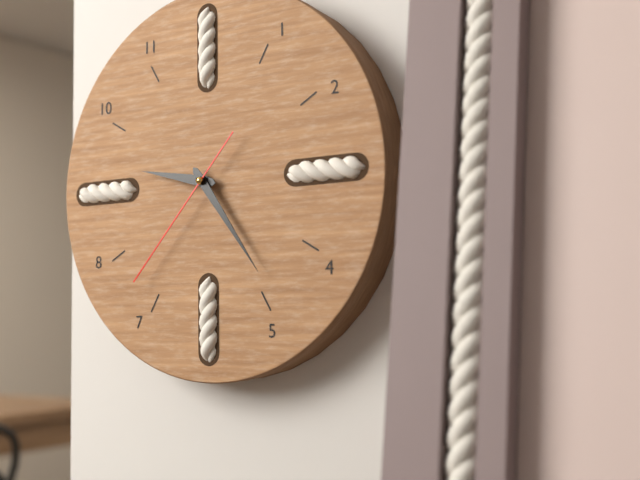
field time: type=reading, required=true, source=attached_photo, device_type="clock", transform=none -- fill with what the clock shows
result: 9:24:37
